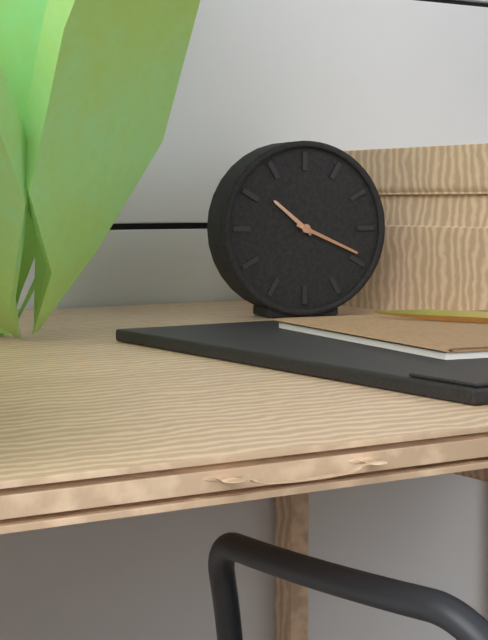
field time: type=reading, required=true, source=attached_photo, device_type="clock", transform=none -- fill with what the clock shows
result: 10:19
